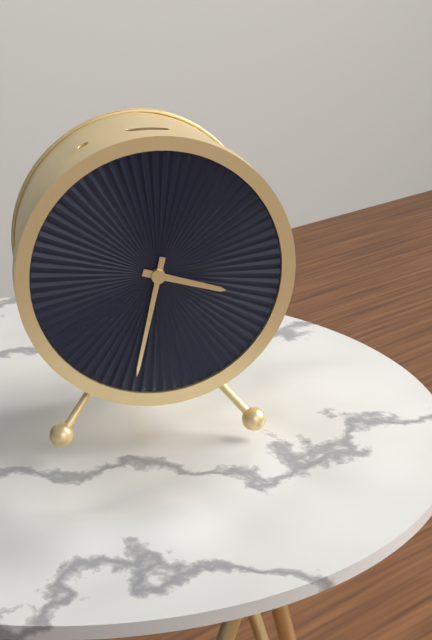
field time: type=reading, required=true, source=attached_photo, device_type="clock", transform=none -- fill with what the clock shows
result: 3:32
